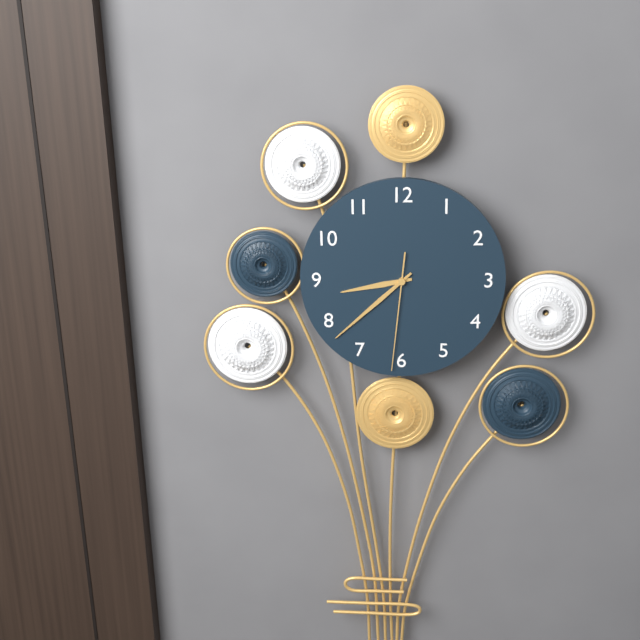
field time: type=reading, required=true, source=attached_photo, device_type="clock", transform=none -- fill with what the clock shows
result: 8:38:31
